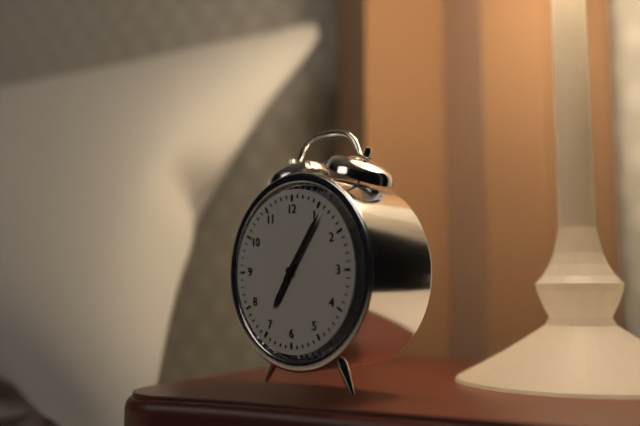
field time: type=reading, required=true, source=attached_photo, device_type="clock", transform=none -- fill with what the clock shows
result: 7:06
